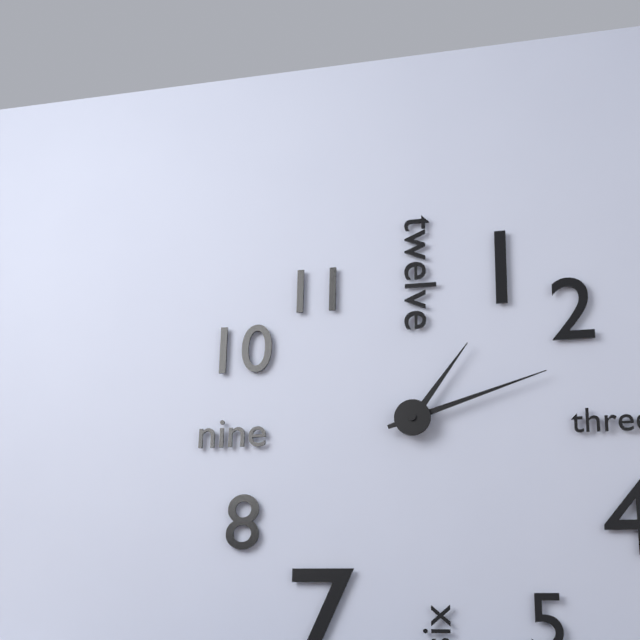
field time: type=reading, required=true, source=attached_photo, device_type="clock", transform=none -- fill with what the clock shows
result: 1:12
